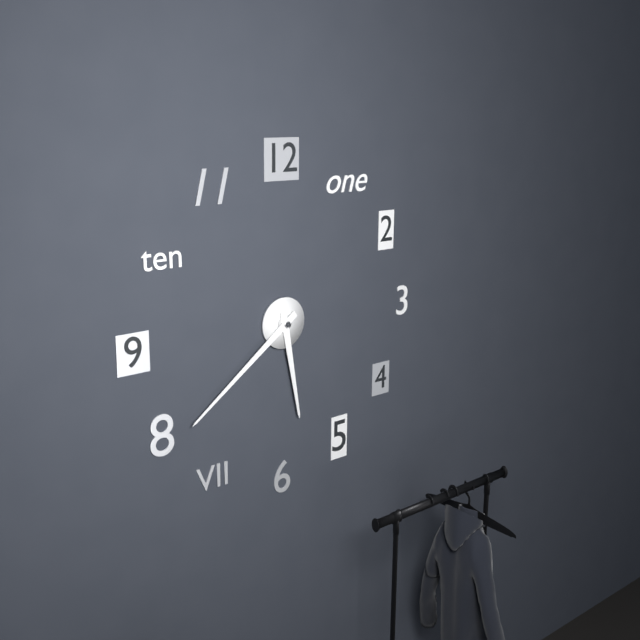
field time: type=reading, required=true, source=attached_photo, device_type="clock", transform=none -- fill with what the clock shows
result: 5:39
